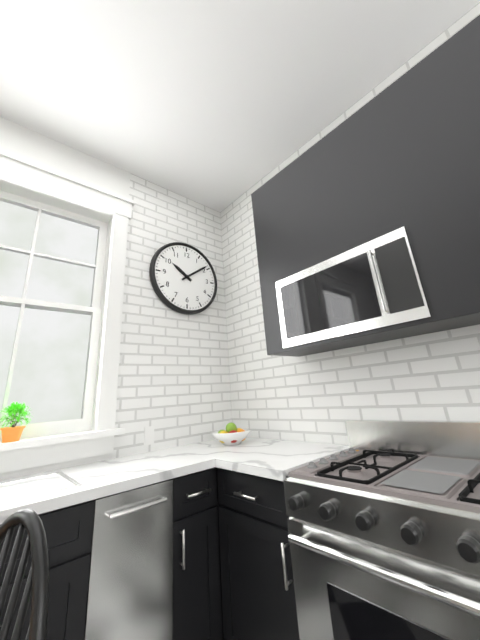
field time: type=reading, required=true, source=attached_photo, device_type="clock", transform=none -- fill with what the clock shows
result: 10:09
